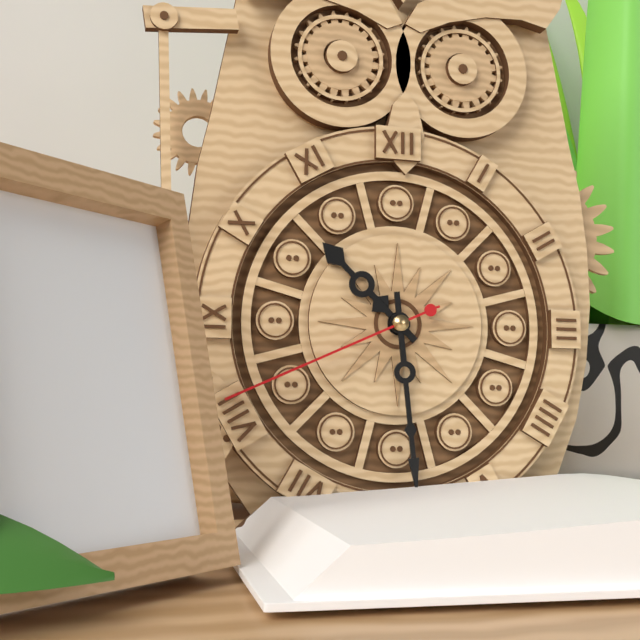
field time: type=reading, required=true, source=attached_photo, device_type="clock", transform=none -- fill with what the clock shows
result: 10:29:41
